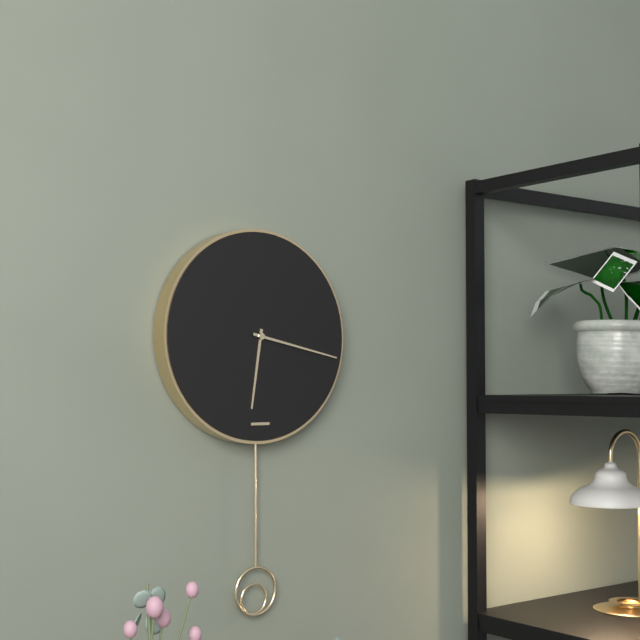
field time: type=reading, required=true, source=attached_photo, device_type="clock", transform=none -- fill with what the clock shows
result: 6:17
